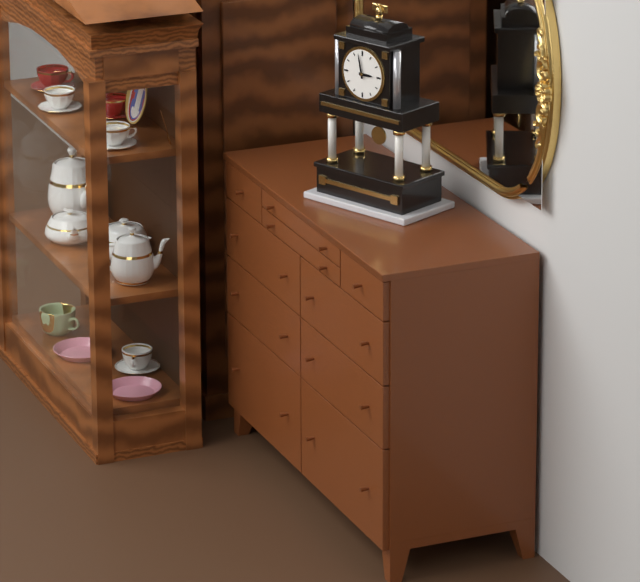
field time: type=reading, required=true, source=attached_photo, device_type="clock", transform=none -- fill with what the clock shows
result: 2:58
